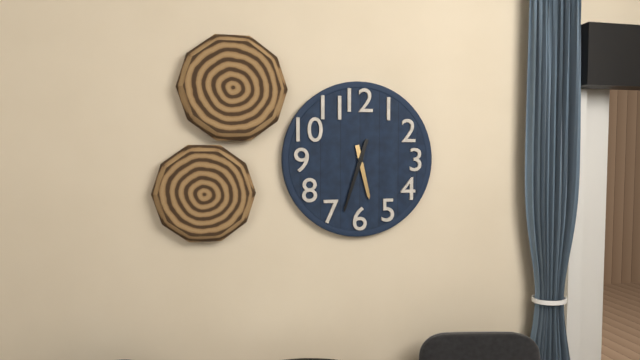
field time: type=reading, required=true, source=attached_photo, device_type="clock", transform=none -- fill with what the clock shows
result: 5:33
